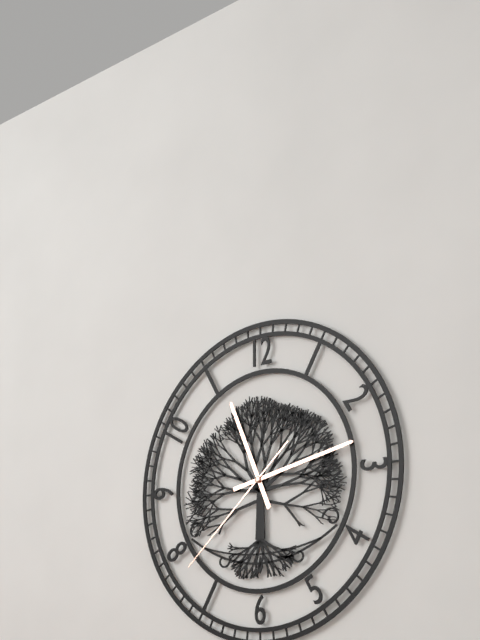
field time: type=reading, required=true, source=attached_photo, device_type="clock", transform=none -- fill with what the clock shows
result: 11:13:38
